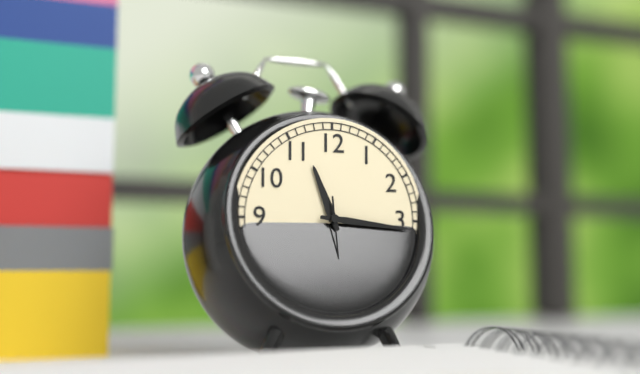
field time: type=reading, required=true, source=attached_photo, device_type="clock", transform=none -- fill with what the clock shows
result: 11:16
